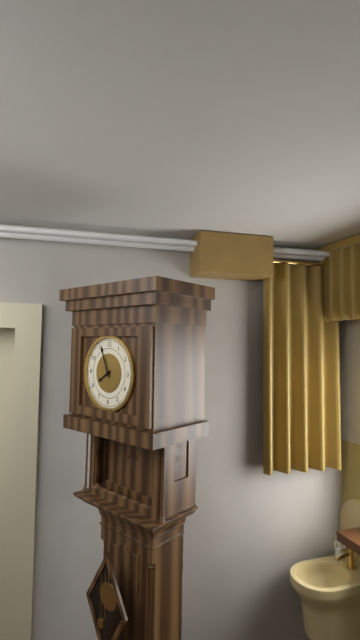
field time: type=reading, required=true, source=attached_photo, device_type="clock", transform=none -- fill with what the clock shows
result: 7:56
